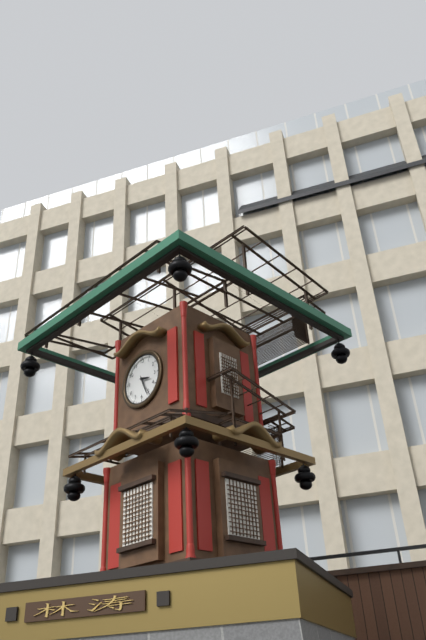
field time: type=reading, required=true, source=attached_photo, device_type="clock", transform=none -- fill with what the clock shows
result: 3:26
